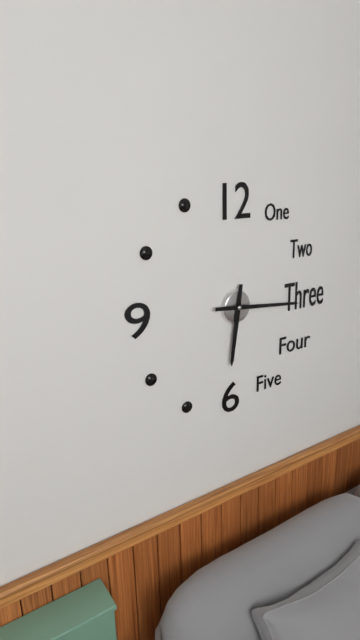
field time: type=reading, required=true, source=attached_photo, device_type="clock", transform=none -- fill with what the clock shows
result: 6:16
